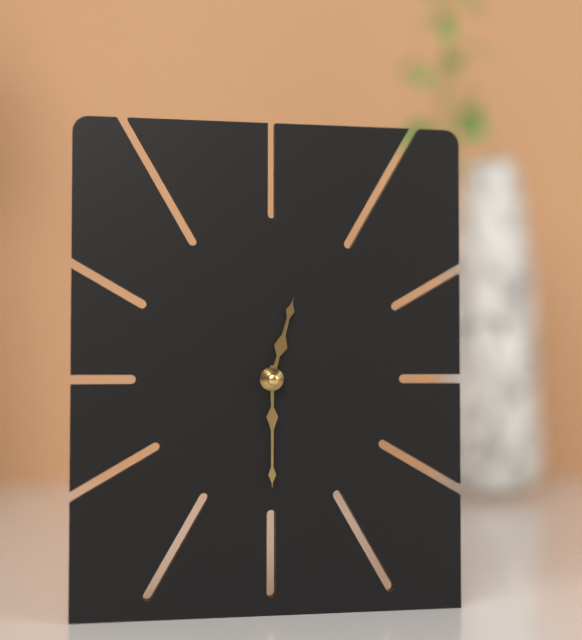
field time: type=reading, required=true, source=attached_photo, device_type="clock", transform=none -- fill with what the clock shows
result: 12:30
